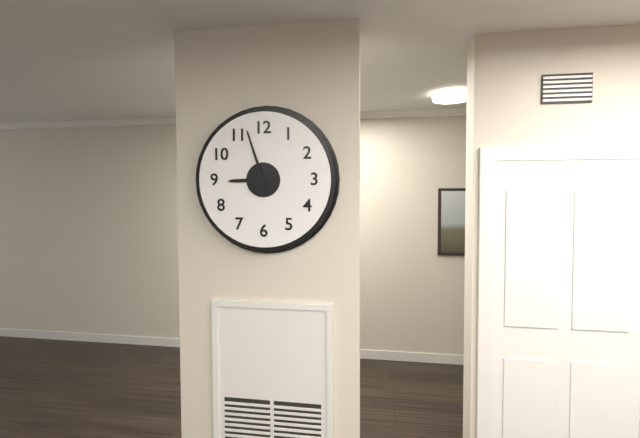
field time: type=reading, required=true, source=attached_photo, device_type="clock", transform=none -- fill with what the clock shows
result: 8:57
